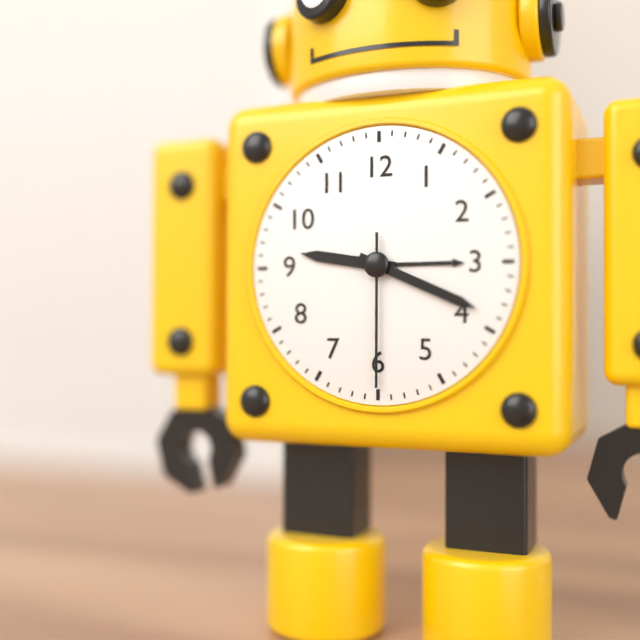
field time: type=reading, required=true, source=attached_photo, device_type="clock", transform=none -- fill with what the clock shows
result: 9:19:30
